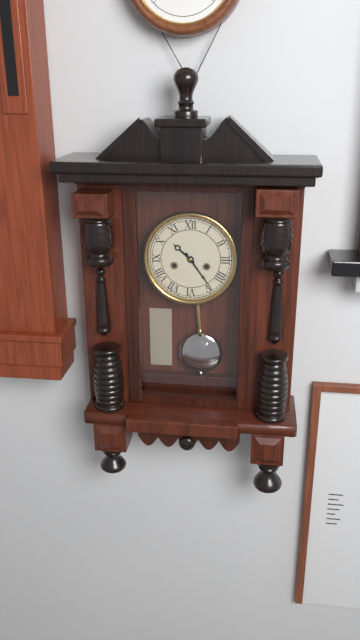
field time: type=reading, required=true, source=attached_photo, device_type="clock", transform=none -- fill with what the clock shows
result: 10:24
